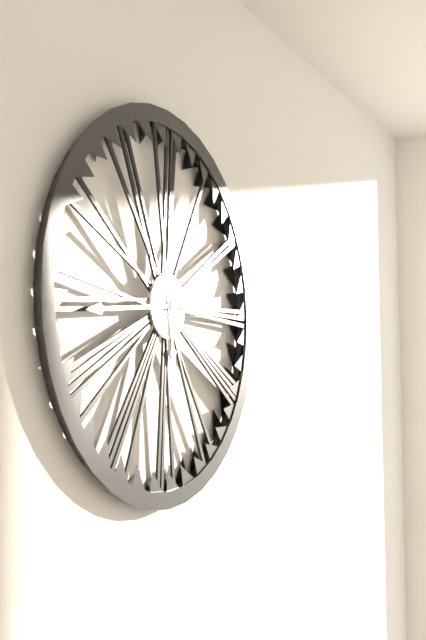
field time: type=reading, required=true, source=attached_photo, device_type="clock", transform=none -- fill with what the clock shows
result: 5:44
